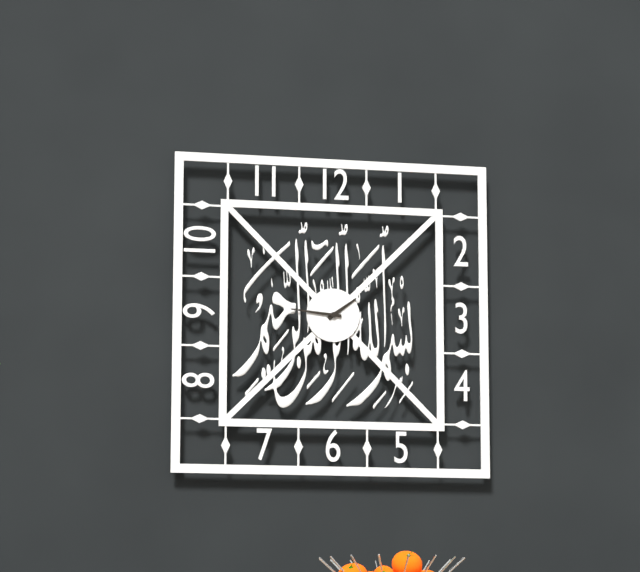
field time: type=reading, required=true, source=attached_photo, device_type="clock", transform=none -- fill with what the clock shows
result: 1:46
